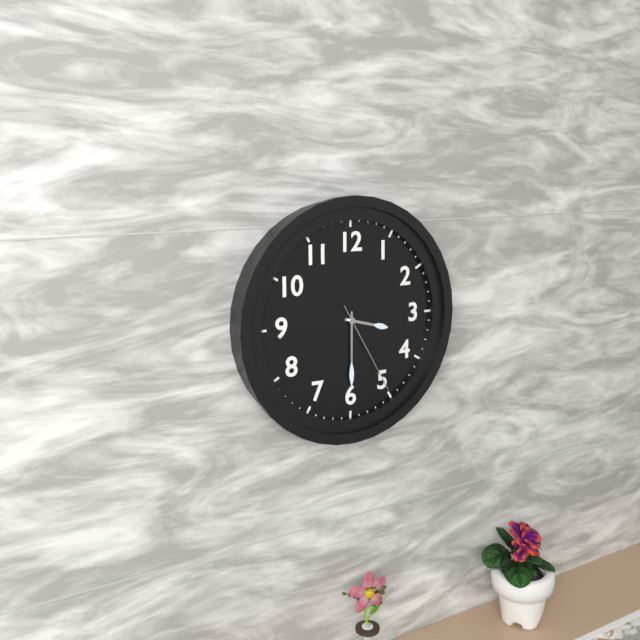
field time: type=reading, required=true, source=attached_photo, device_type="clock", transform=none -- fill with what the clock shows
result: 3:30:25
